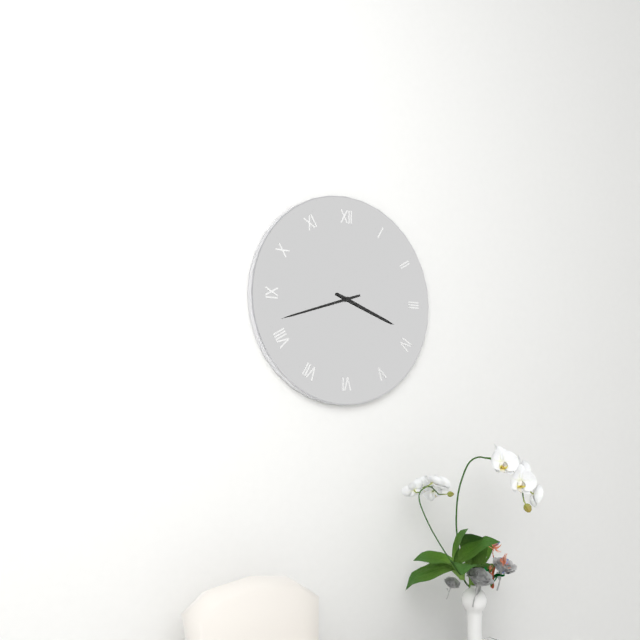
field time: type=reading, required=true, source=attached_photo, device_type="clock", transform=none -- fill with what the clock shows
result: 3:42
